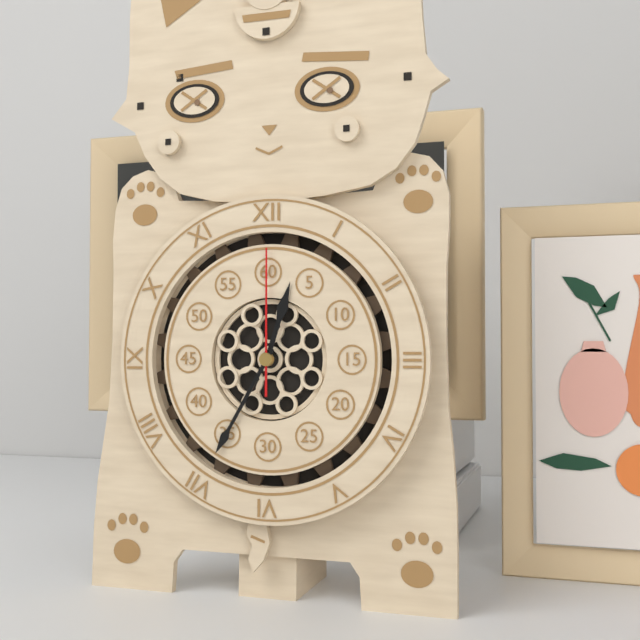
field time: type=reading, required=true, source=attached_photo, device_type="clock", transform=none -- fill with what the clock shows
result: 12:35:00
